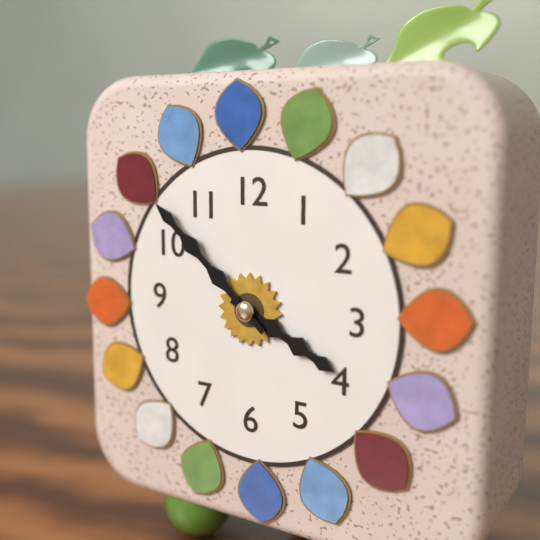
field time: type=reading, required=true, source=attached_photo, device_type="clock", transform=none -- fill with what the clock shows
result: 3:52
